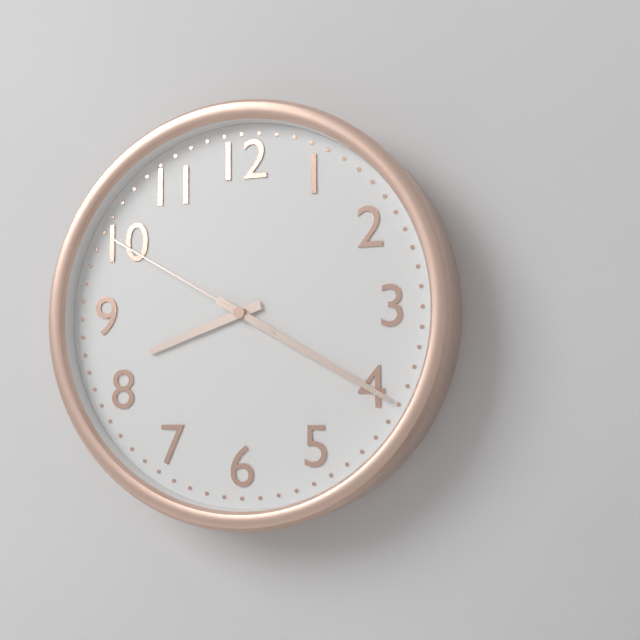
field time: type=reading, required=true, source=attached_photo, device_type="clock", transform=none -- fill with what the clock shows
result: 8:20:50
